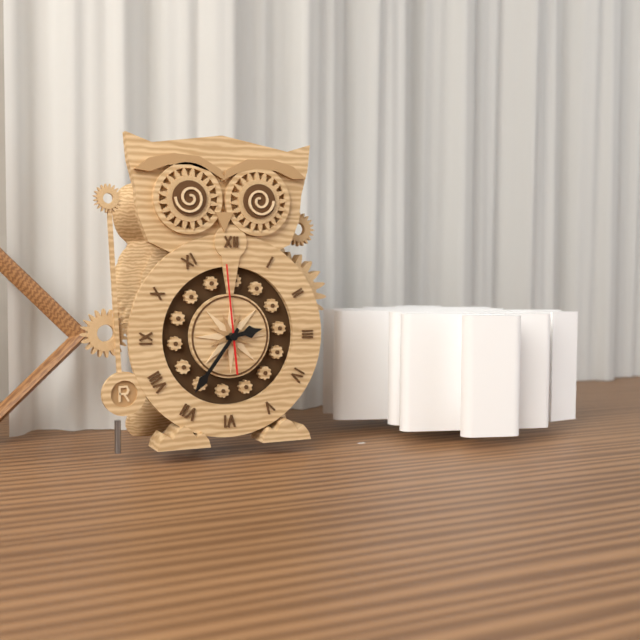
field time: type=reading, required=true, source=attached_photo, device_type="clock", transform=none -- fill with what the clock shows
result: 2:36:59
